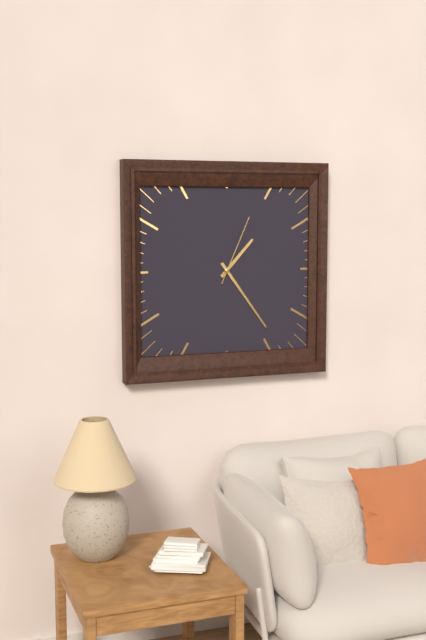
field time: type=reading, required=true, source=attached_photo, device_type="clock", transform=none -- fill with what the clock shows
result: 1:24:04
